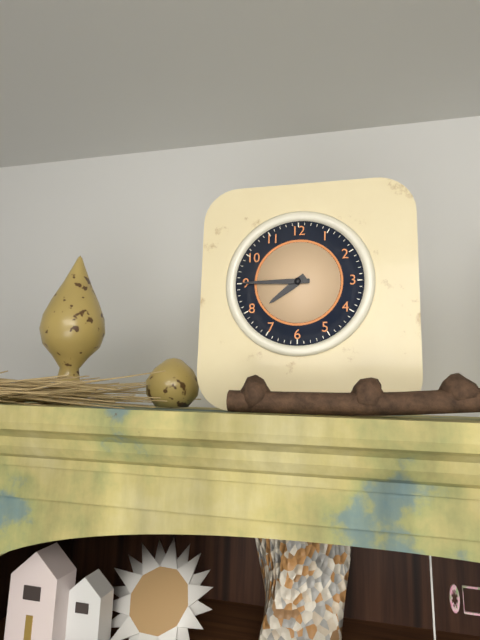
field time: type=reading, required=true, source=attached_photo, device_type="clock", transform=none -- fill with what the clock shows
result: 7:45
